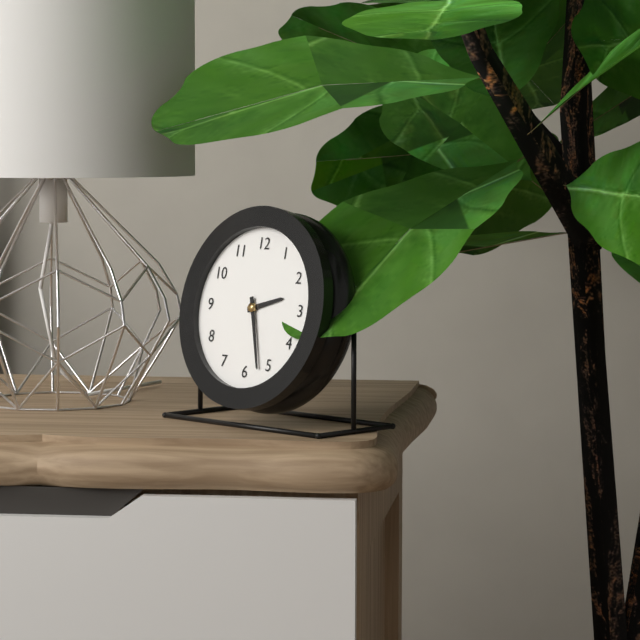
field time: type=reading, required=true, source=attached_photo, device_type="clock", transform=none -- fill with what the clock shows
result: 2:27
